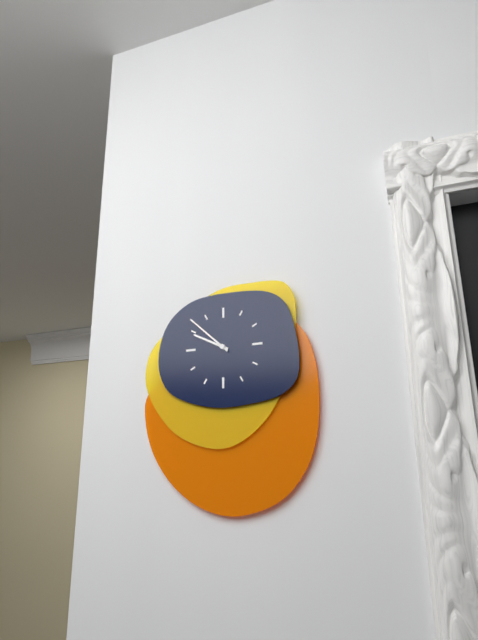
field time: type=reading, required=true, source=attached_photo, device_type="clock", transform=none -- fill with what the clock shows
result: 9:52
